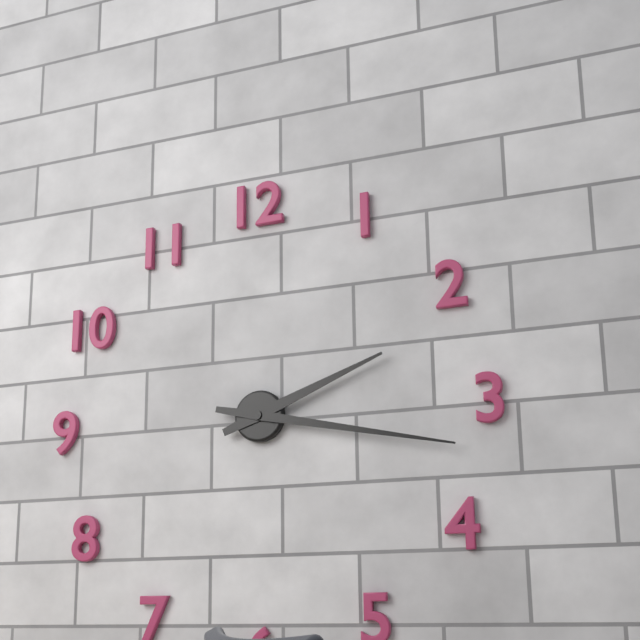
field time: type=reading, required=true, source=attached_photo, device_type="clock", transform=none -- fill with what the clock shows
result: 2:17
